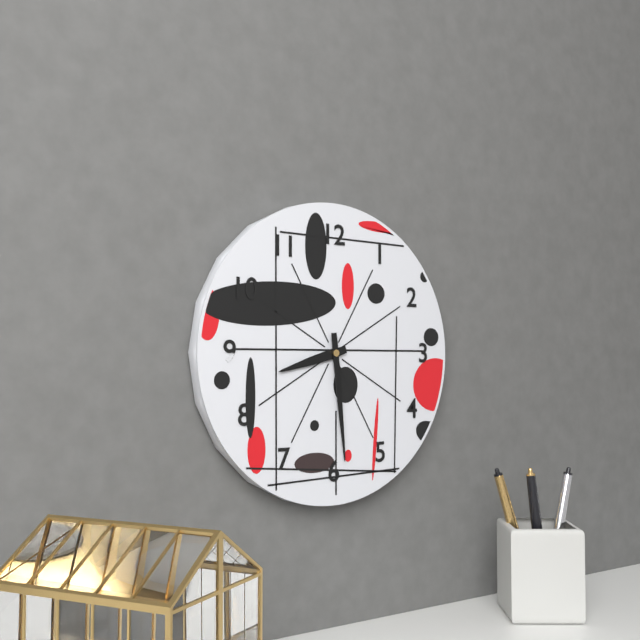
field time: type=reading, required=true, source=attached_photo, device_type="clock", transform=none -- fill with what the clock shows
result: 8:29
